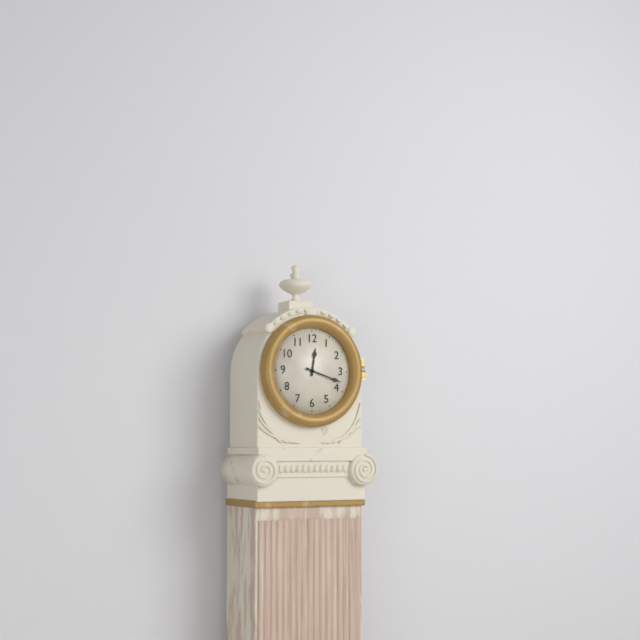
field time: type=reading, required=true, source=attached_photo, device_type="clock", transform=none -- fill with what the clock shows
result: 12:18
